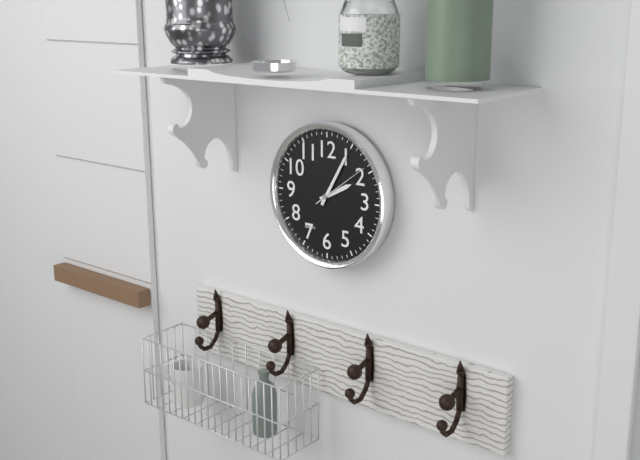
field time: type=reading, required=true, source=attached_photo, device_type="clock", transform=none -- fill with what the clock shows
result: 2:05
